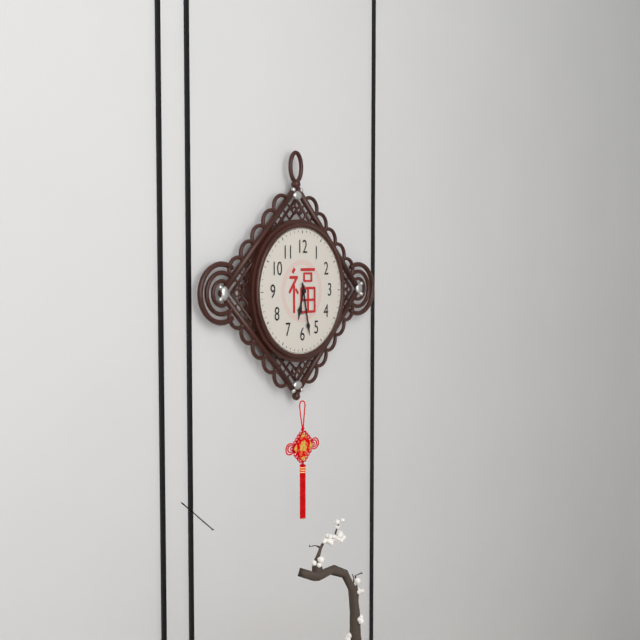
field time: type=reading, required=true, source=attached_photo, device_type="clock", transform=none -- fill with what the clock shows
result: 6:28
